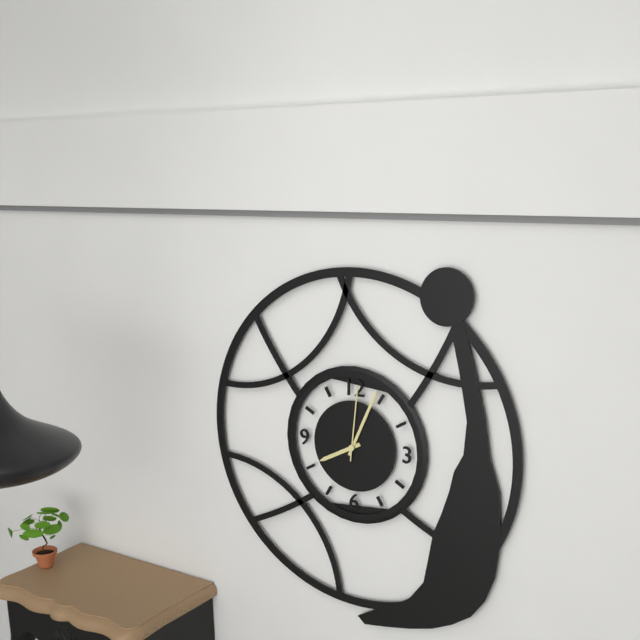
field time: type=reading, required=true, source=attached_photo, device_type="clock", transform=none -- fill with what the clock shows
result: 8:04:01
